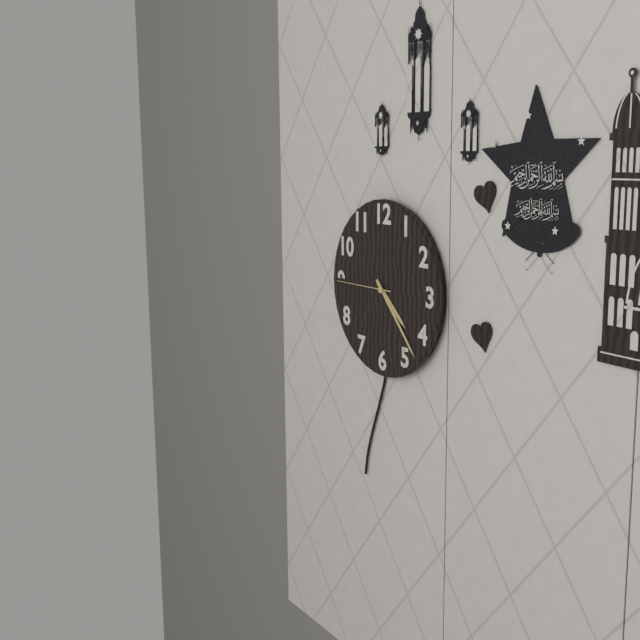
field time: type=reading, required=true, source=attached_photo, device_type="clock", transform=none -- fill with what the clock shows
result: 4:23:45
